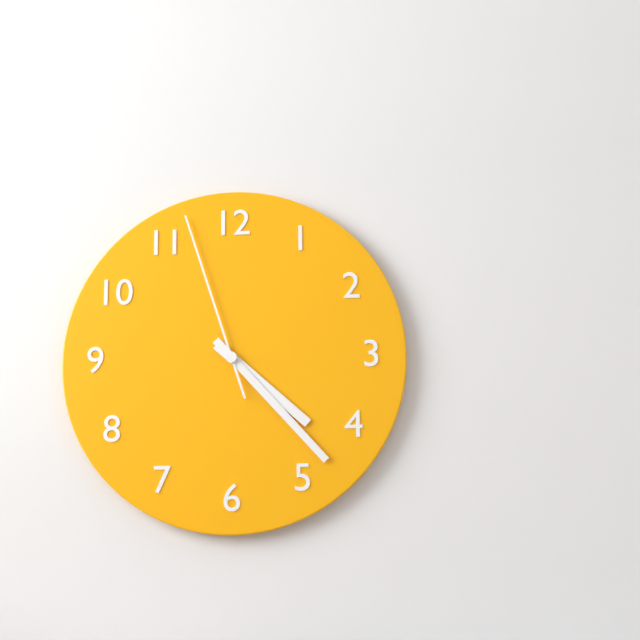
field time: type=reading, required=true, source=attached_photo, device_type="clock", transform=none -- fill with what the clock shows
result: 4:23:57
